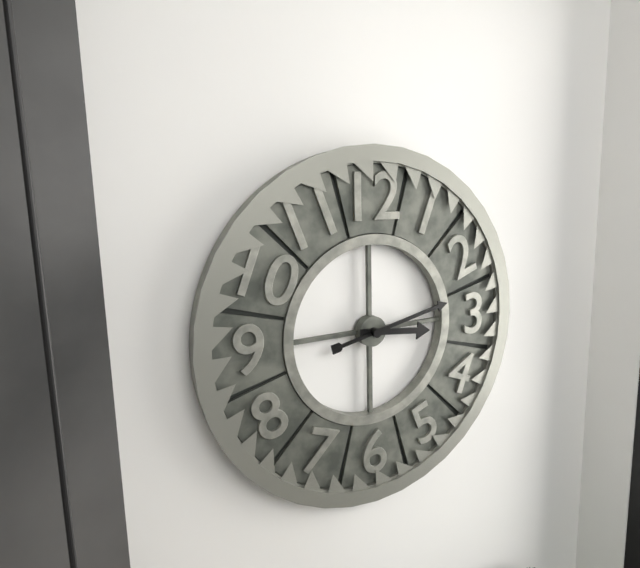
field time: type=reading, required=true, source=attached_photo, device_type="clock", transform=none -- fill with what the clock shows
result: 3:13
